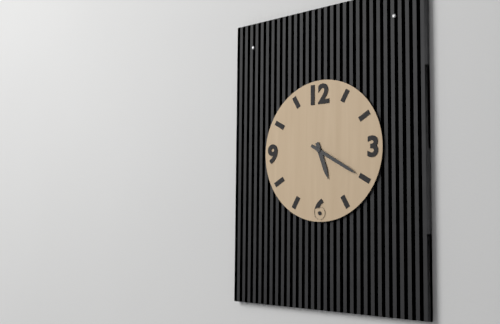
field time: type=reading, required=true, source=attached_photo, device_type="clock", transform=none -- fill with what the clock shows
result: 5:20
